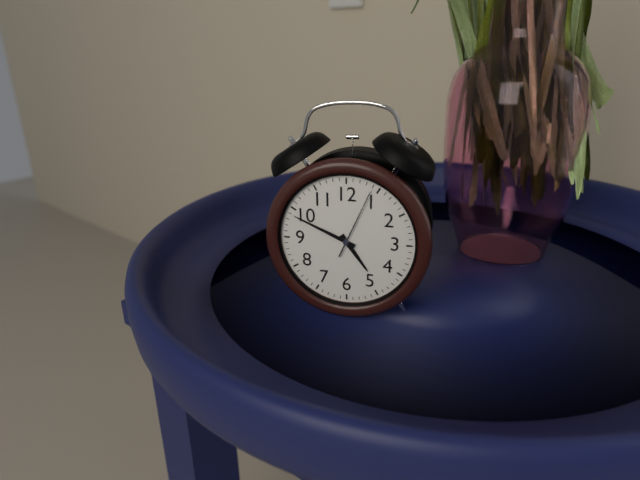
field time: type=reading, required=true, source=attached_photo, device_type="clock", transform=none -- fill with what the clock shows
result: 4:49:04
